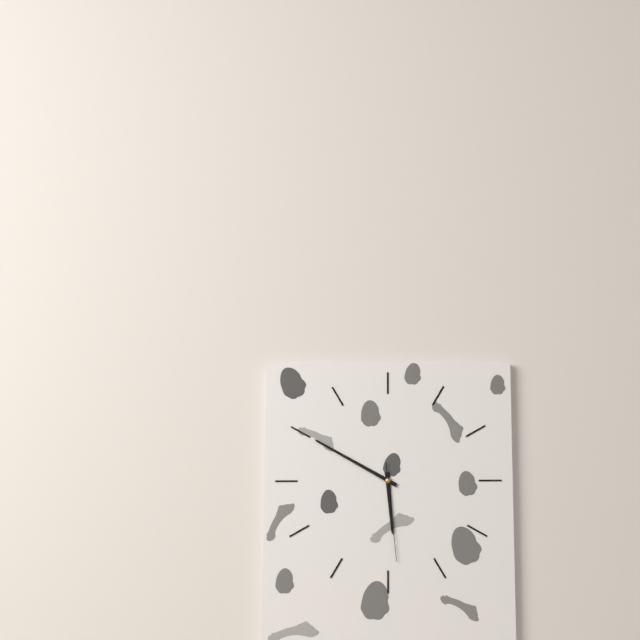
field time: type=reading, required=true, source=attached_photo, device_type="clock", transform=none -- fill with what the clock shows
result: 5:50:29
